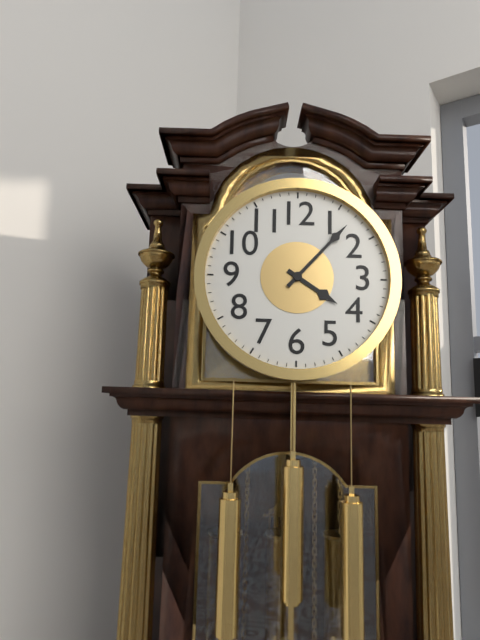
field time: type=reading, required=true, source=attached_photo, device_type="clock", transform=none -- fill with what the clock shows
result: 4:07
